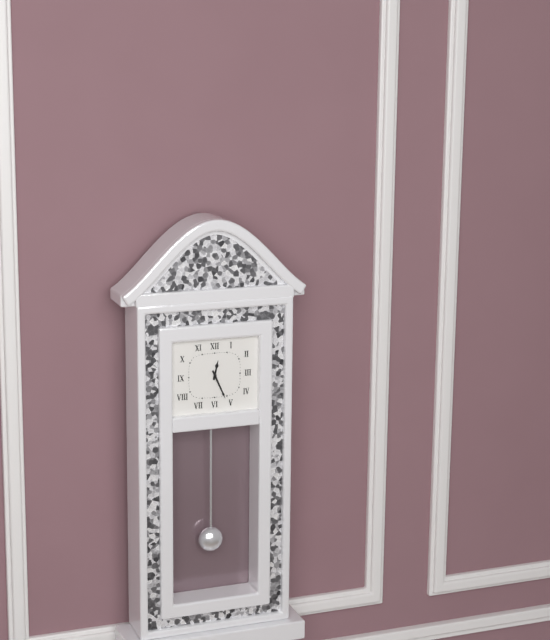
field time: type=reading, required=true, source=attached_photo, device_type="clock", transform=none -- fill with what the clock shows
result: 12:26
